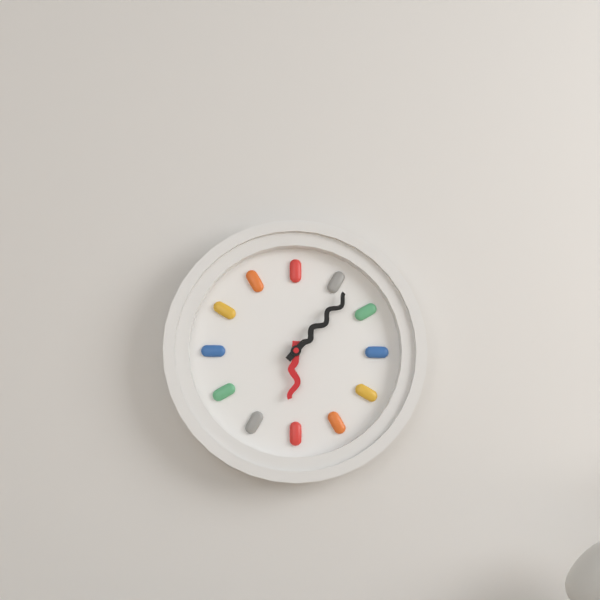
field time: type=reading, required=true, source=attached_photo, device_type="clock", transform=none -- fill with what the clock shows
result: 6:07
